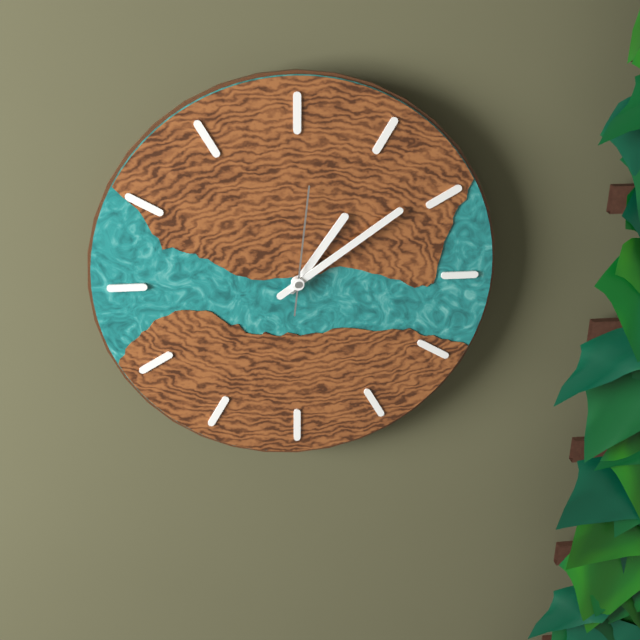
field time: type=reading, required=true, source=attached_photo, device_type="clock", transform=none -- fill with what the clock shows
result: 1:09:01
